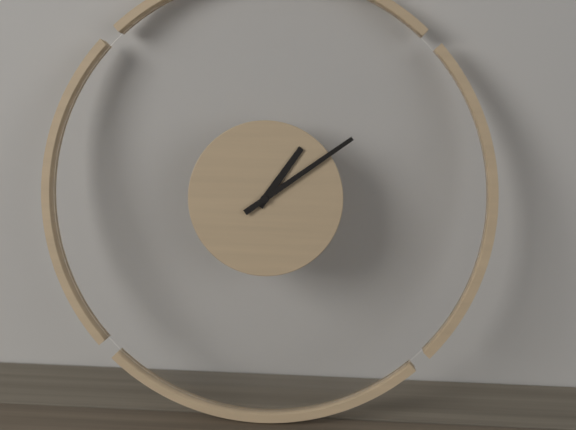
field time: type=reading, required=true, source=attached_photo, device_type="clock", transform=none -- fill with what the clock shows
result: 1:09
